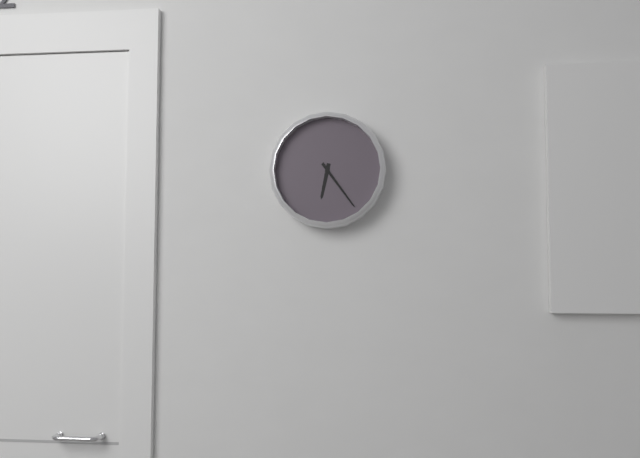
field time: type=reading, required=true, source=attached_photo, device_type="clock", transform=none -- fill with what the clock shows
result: 6:24
